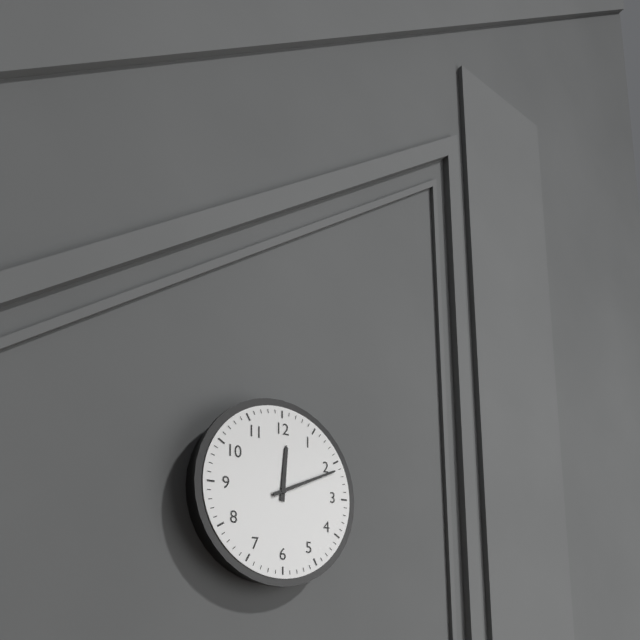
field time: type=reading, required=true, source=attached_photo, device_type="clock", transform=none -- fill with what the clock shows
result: 12:11
